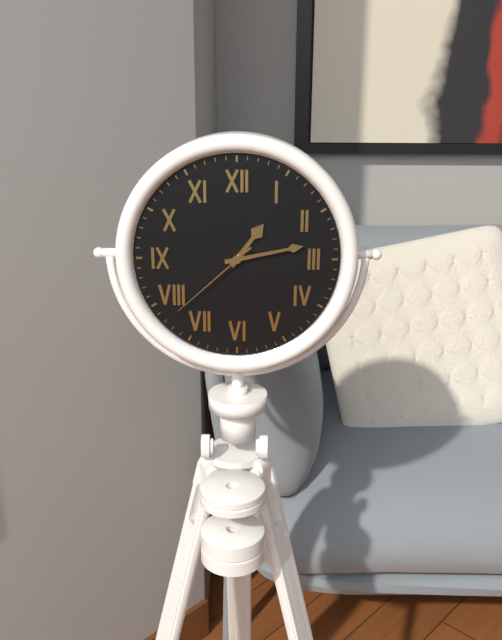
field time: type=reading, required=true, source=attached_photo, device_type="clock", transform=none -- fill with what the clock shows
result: 1:13:38
